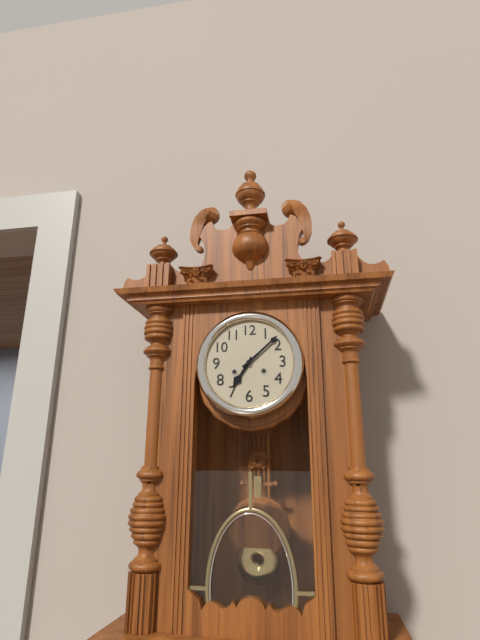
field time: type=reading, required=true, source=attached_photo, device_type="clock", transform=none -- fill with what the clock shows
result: 7:08
